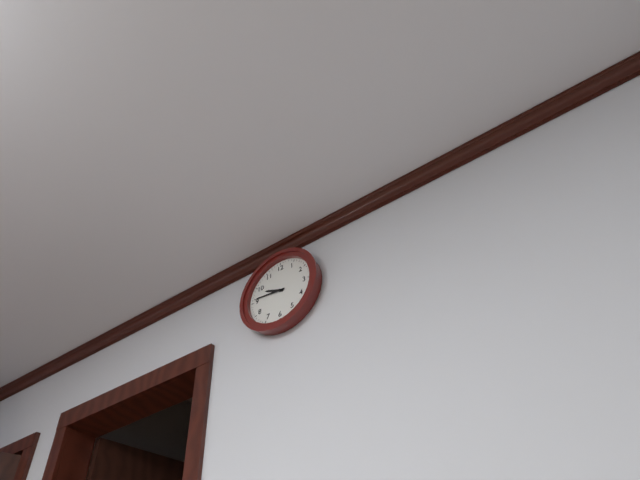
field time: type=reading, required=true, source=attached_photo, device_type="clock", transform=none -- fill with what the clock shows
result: 9:46
